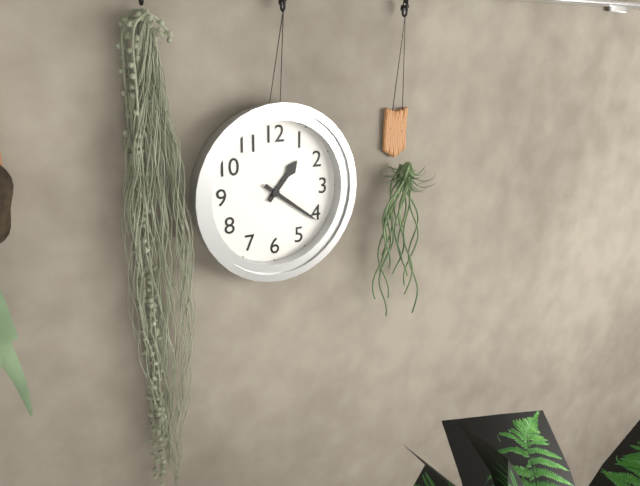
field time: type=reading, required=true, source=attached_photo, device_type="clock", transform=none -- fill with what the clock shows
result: 1:21
